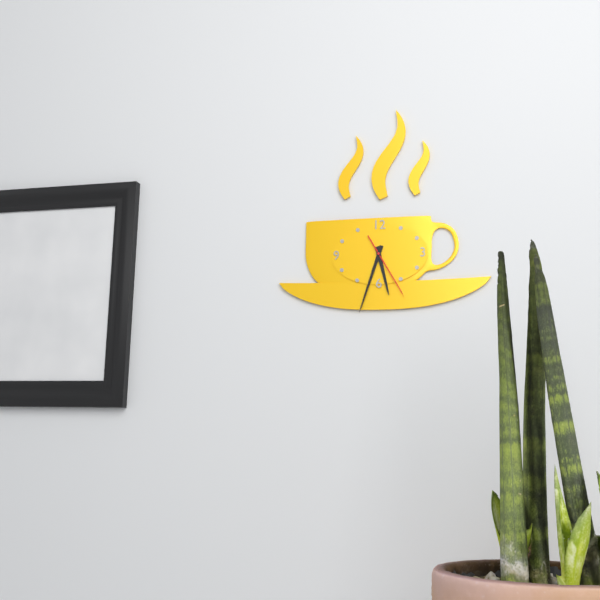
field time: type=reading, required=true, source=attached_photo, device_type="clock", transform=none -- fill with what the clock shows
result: 5:33:25
